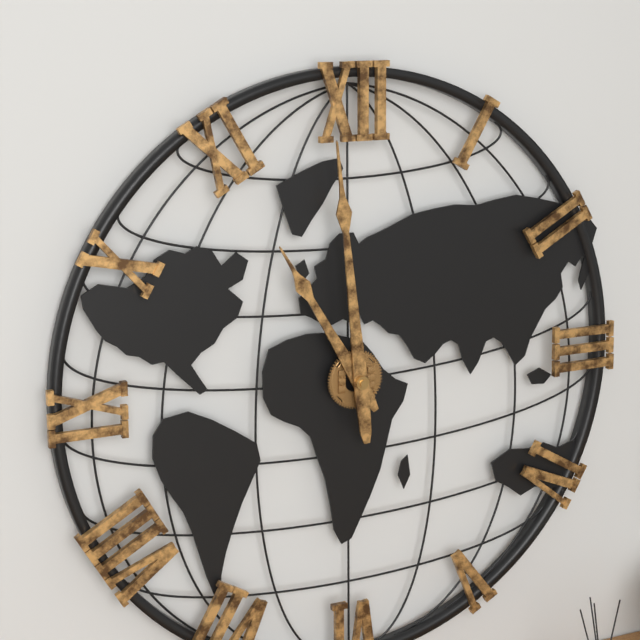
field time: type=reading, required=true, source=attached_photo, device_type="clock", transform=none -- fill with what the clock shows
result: 10:59
